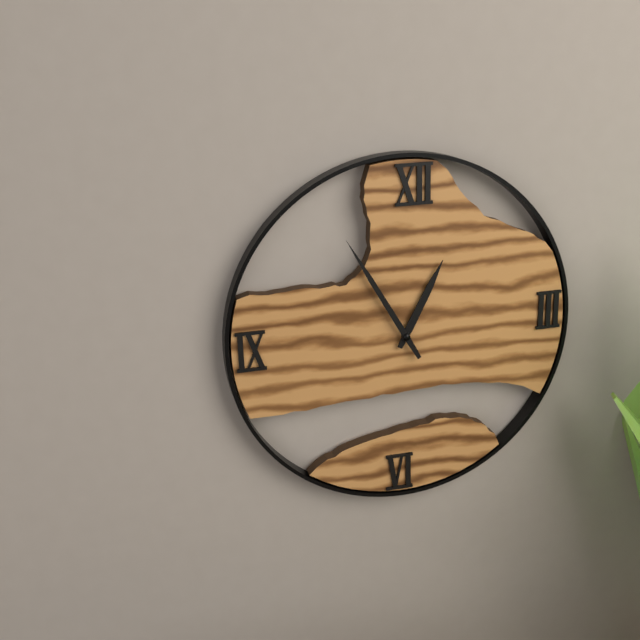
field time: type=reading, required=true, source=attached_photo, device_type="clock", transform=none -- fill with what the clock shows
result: 12:55
